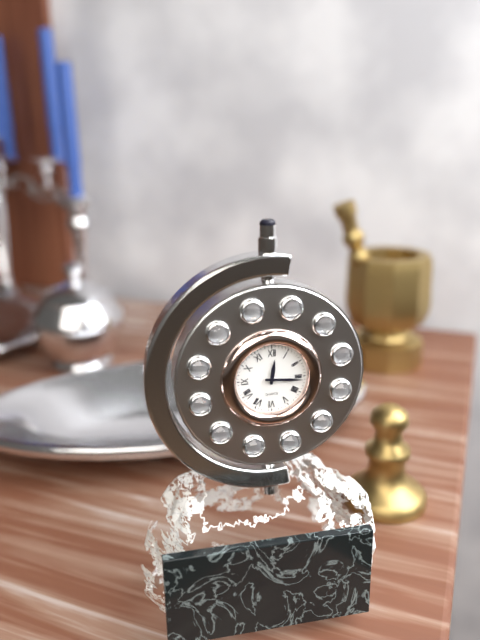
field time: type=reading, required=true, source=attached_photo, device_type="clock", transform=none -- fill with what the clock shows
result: 12:16
